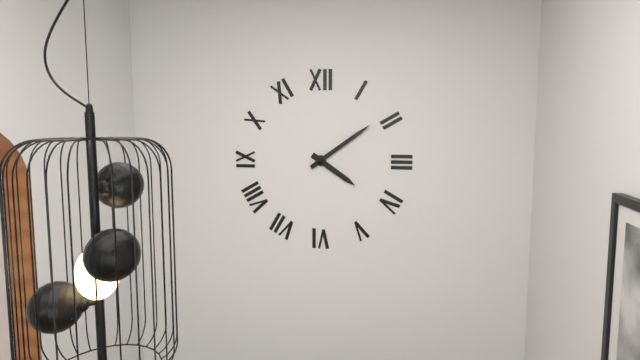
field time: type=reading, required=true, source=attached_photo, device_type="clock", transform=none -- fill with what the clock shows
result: 4:09
